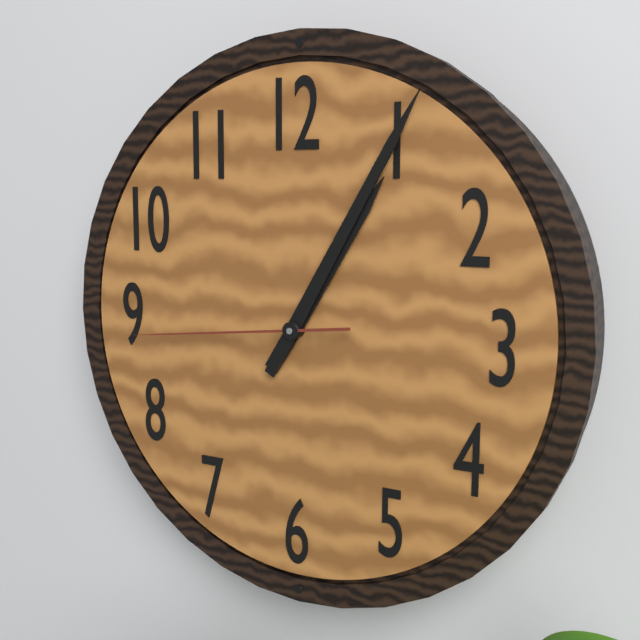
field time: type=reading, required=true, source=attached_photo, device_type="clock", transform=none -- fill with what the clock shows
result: 1:05:44
